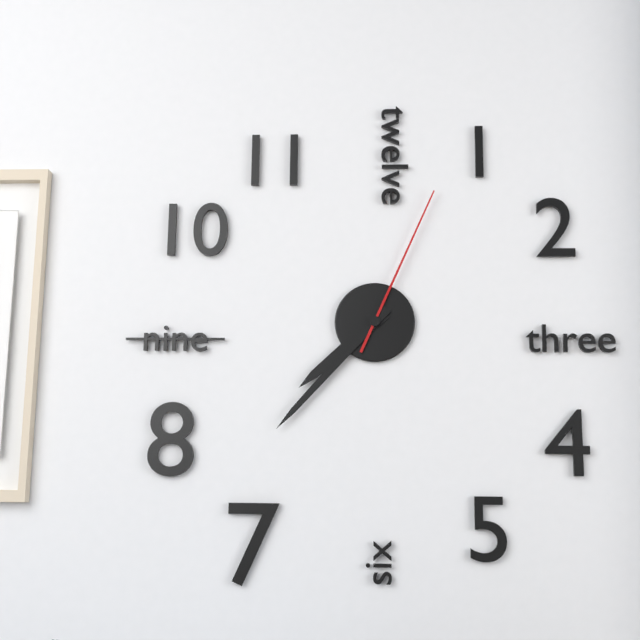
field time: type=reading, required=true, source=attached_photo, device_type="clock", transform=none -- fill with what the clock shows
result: 7:37:04
